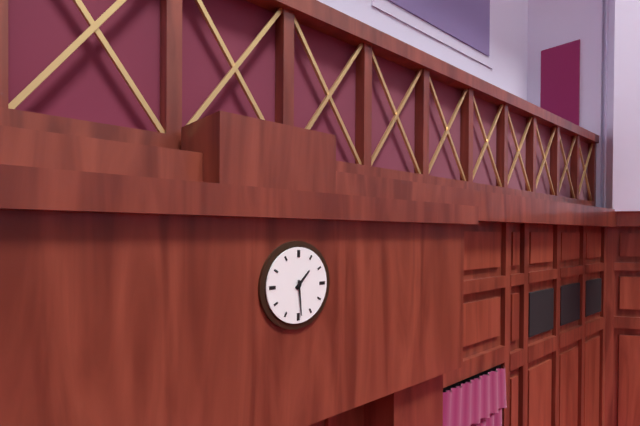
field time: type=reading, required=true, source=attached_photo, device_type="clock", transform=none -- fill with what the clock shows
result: 1:29
